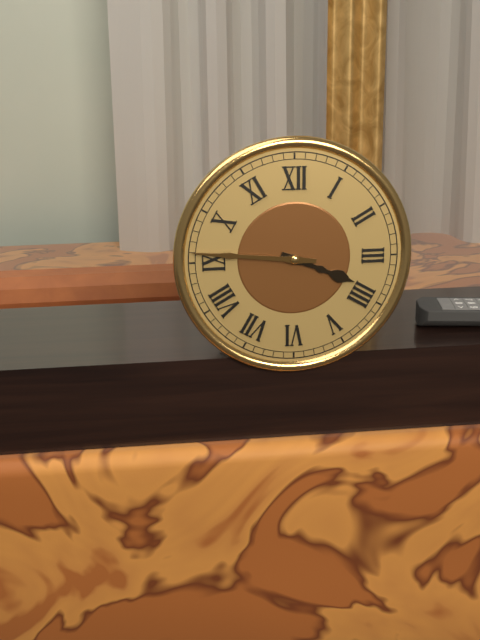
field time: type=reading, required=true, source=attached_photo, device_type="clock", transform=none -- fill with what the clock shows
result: 3:46
